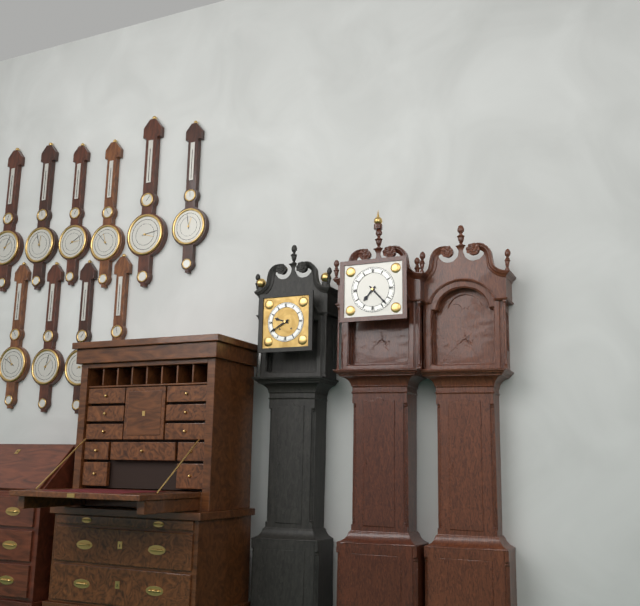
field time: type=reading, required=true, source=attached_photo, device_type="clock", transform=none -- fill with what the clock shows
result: 7:23
